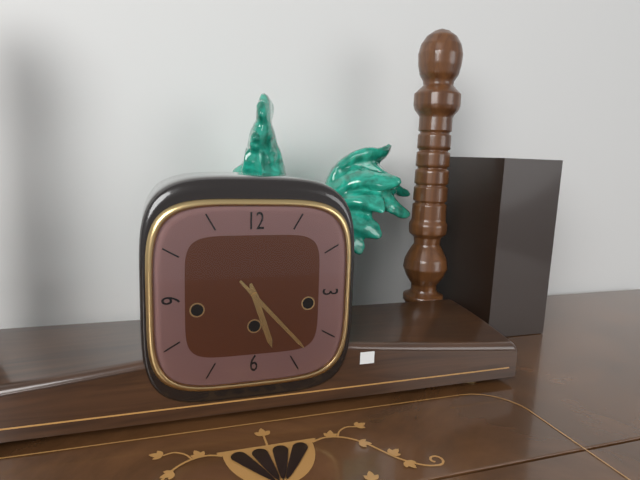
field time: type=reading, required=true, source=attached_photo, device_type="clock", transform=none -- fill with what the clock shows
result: 5:23
